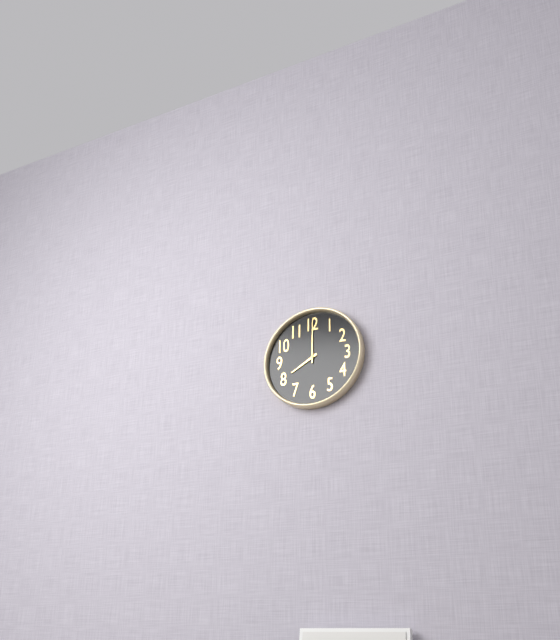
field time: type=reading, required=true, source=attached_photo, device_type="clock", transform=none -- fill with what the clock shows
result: 8:00
